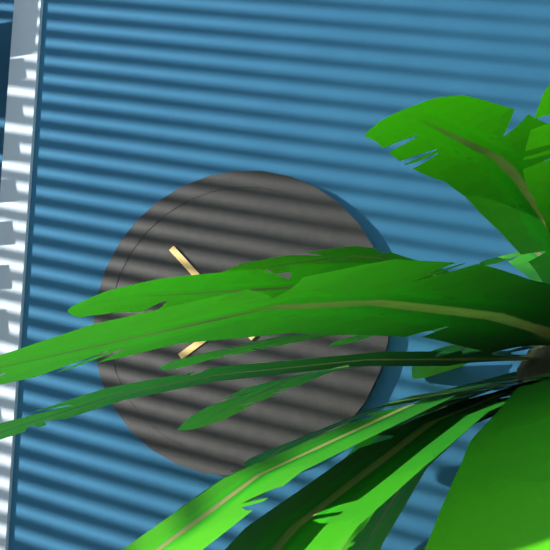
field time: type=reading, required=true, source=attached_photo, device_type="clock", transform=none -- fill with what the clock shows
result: 7:53
